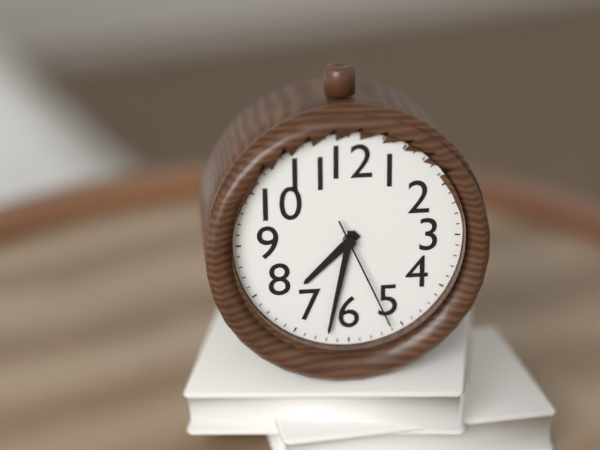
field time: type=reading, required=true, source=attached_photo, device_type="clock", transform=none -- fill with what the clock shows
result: 7:32:26
